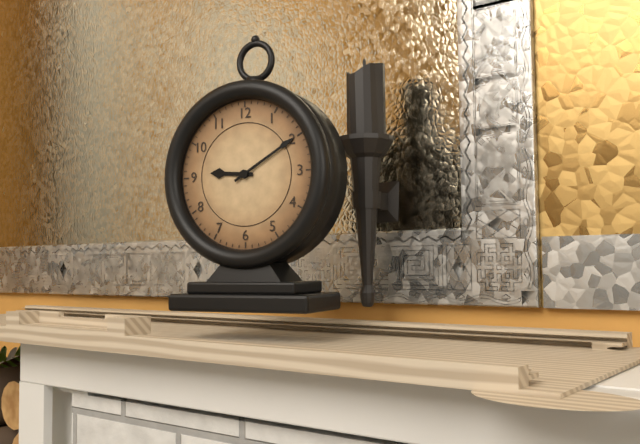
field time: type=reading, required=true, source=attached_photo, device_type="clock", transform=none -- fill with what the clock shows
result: 9:10
